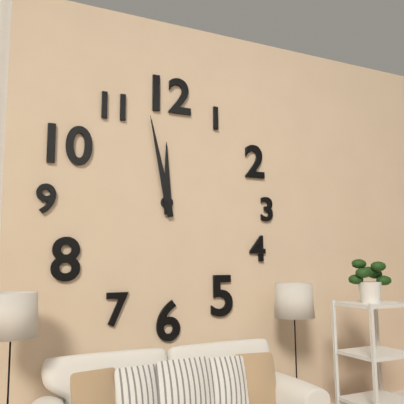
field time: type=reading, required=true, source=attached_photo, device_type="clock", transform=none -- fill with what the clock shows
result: 11:58
